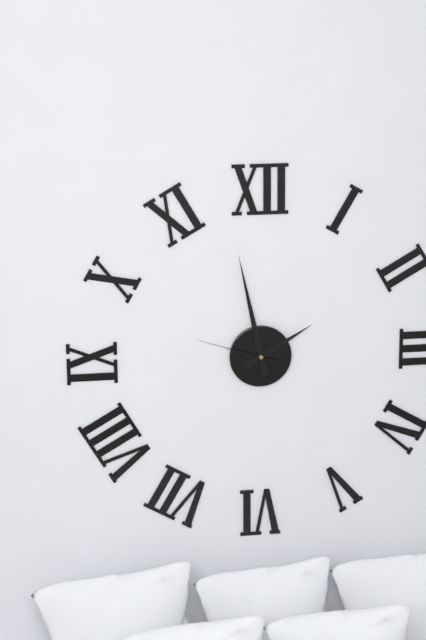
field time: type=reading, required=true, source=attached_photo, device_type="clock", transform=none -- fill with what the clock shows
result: 1:58:48
